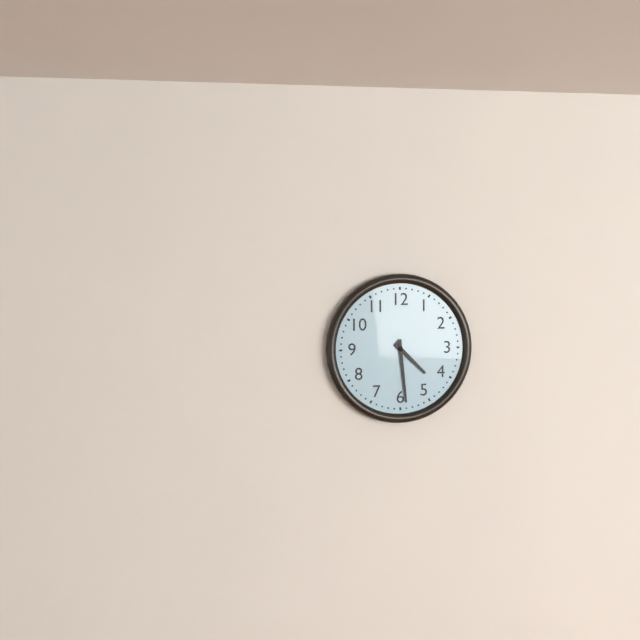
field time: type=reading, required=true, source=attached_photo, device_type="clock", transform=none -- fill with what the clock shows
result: 4:29
